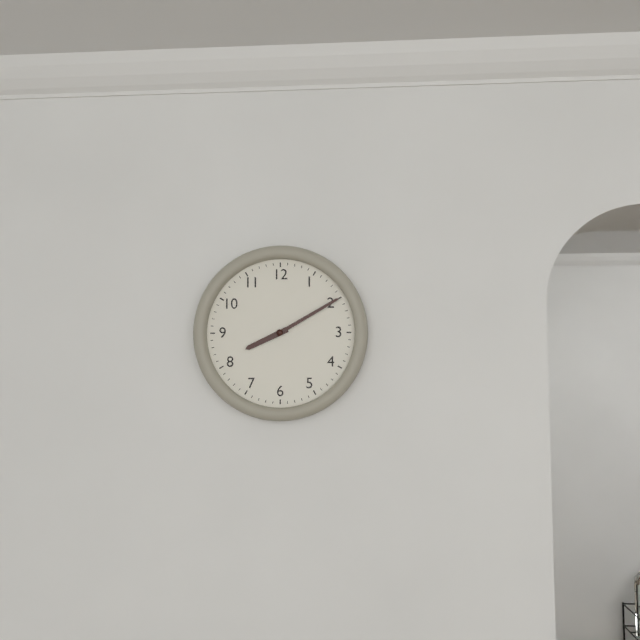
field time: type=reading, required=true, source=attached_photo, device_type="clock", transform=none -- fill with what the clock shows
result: 8:10
